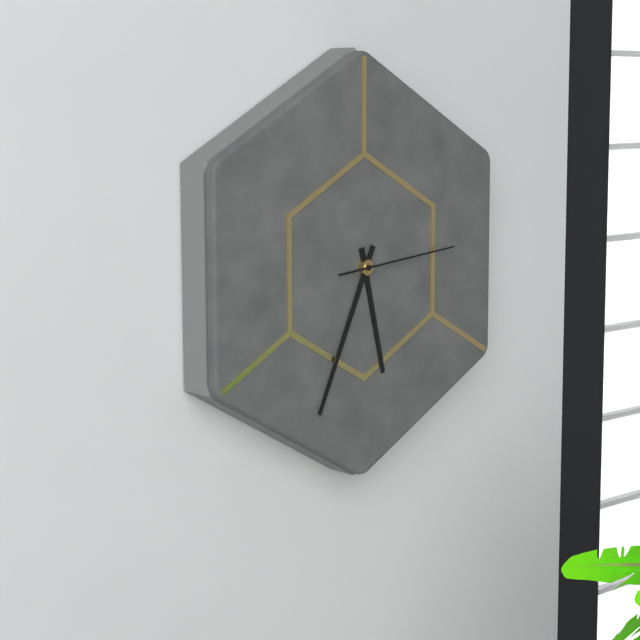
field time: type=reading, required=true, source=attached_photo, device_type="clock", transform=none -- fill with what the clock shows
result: 5:34:14
